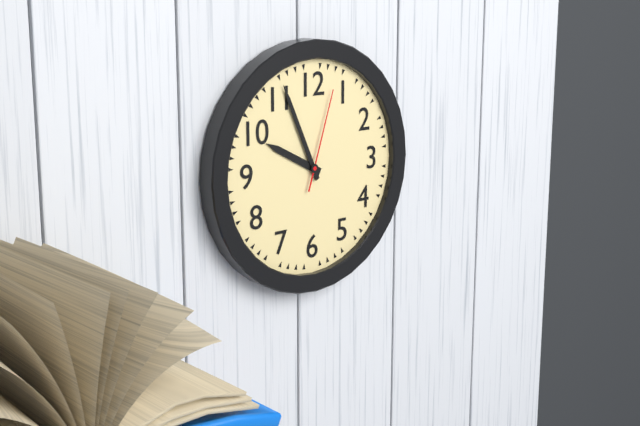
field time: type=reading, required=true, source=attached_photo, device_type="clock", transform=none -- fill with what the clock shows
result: 9:56:03
